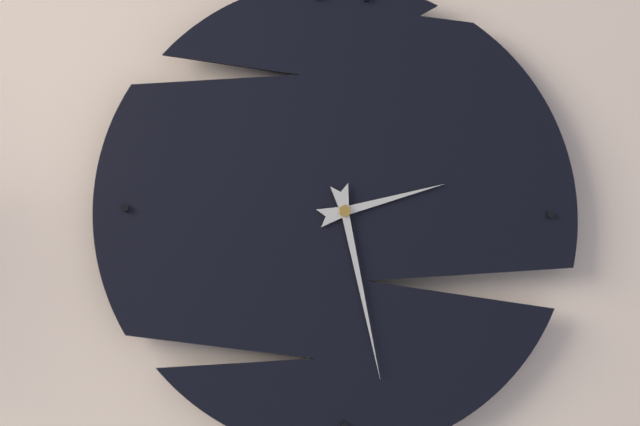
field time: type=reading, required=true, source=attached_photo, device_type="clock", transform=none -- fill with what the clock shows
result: 2:28
